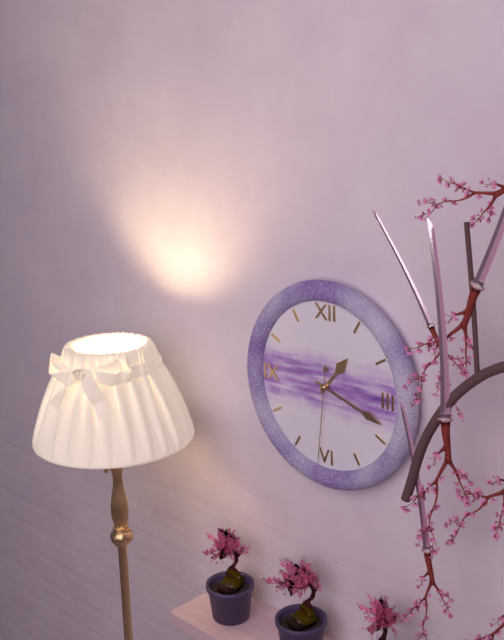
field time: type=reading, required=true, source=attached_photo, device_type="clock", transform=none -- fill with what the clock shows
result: 1:18:31
